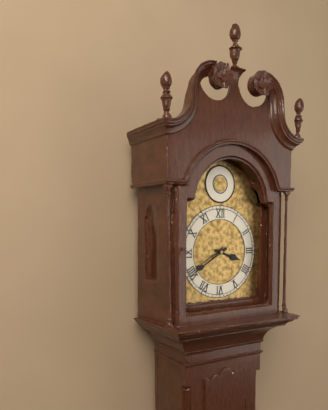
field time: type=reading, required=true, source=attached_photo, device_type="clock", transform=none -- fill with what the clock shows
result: 3:40
